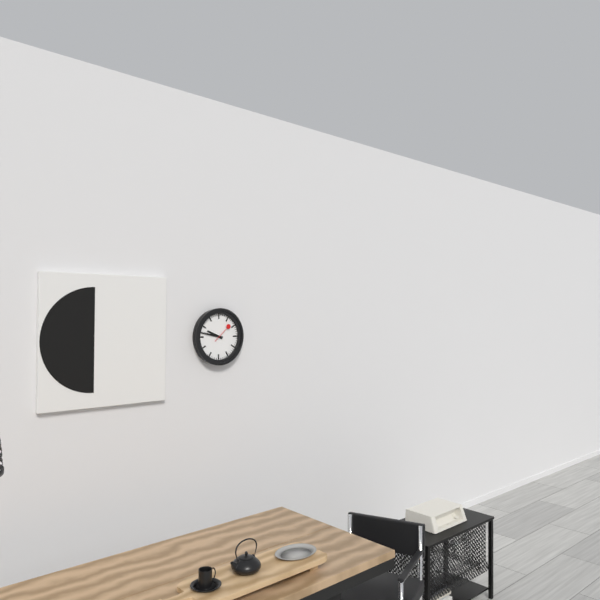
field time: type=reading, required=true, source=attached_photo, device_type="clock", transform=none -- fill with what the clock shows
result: 9:47
